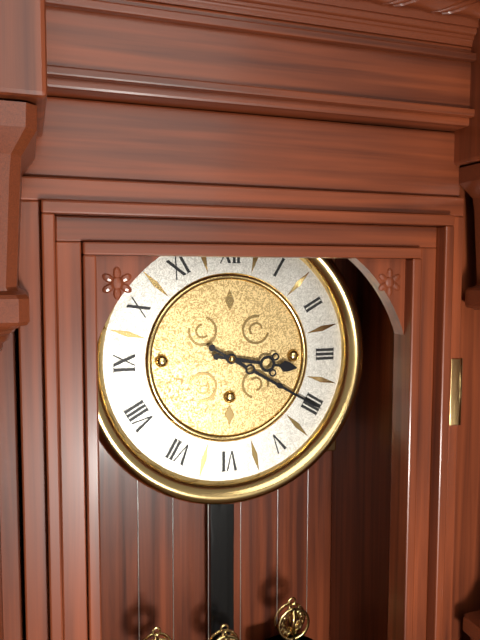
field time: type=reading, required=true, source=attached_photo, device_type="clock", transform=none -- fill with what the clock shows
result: 3:20
